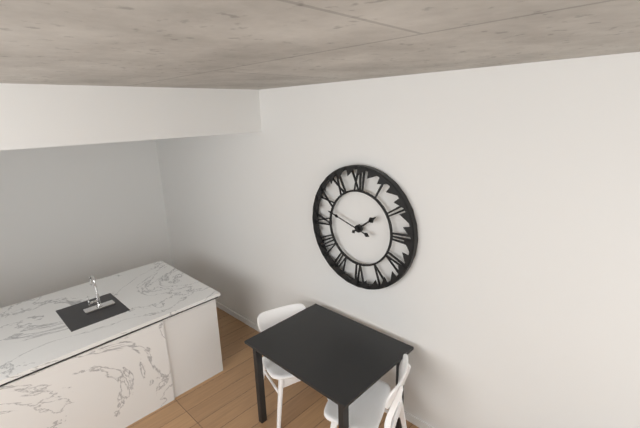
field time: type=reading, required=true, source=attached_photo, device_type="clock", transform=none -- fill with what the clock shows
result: 1:48
